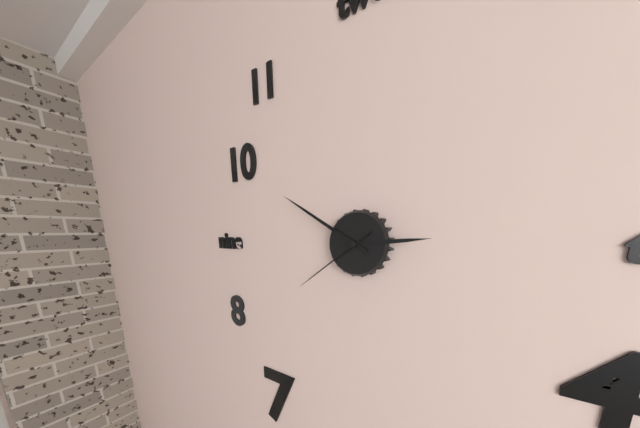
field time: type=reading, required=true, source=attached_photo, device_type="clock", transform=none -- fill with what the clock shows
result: 2:50:39
